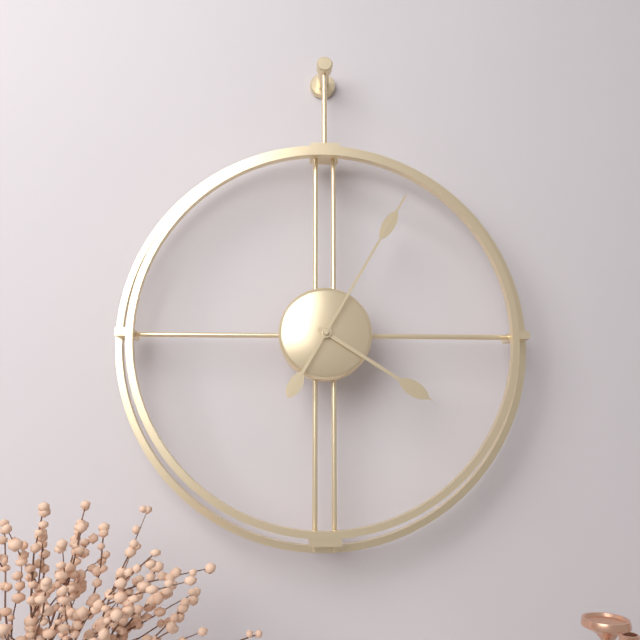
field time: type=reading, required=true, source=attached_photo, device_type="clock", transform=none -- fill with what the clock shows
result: 4:05
